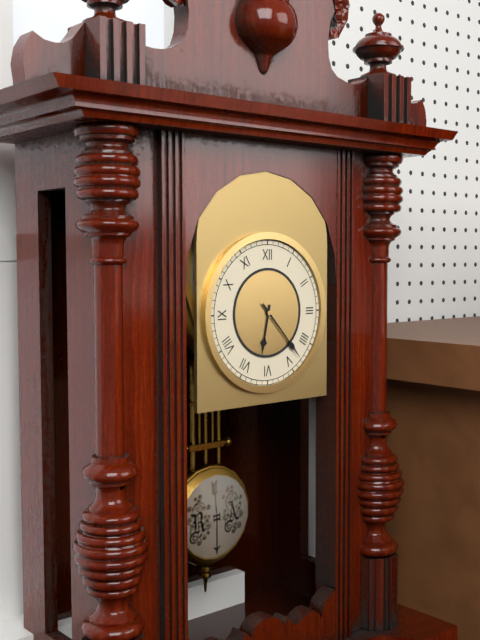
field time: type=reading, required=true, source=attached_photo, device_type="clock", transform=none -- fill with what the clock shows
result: 6:23
